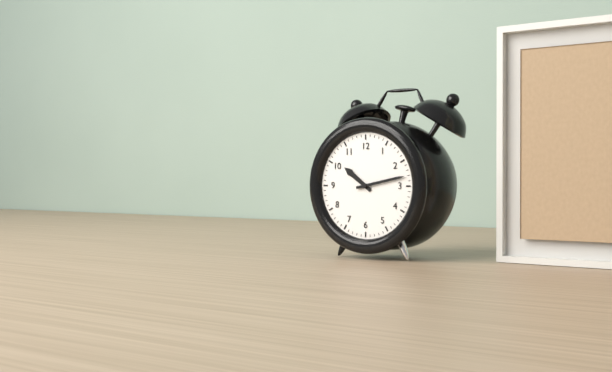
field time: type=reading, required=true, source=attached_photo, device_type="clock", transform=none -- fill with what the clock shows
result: 10:13
